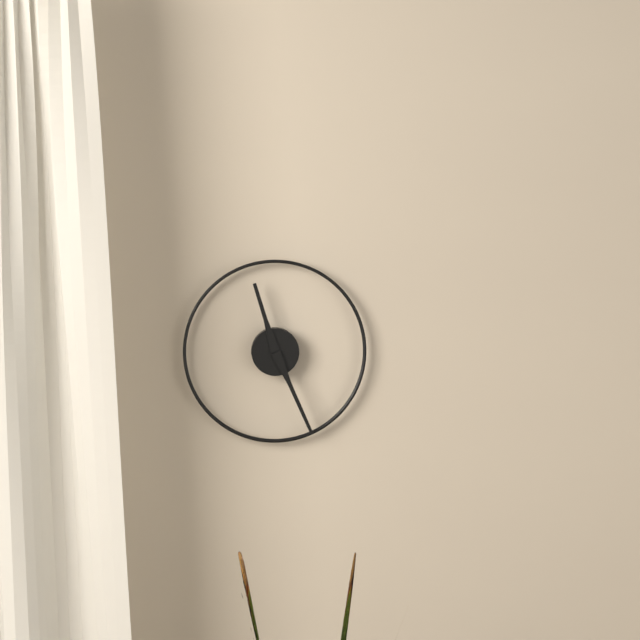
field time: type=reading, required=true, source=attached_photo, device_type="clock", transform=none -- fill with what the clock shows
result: 11:26
